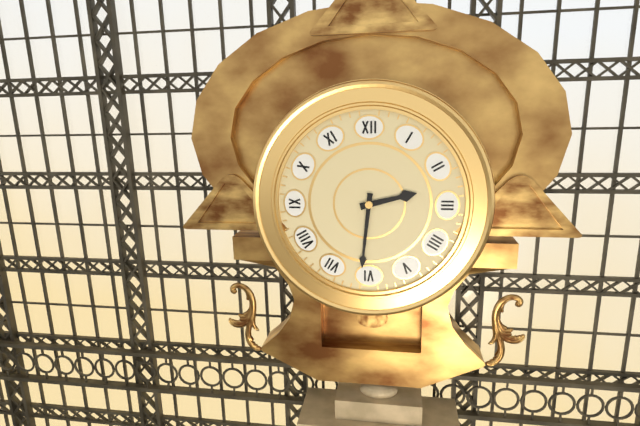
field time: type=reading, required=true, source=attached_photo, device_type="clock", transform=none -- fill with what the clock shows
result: 2:31
